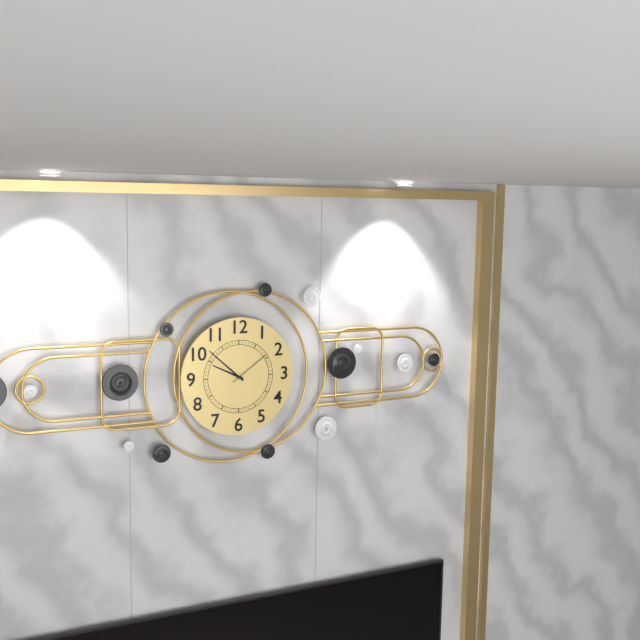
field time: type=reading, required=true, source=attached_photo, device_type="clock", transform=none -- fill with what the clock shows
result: 9:52
